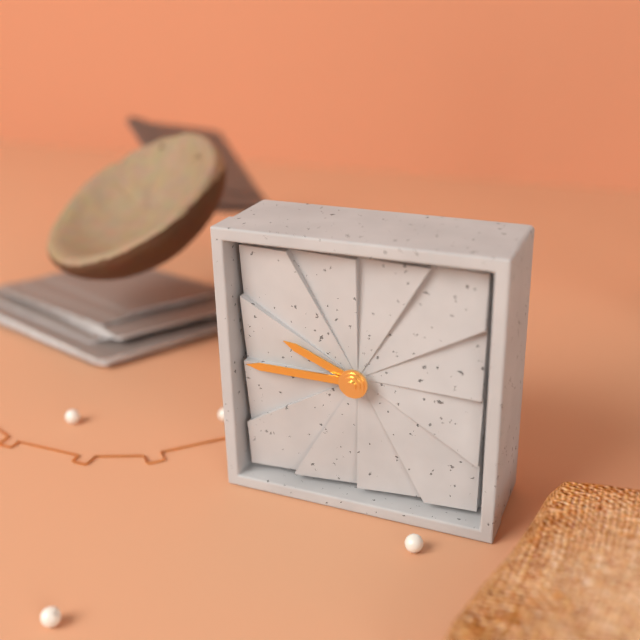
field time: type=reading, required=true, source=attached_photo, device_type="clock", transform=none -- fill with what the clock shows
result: 9:45
